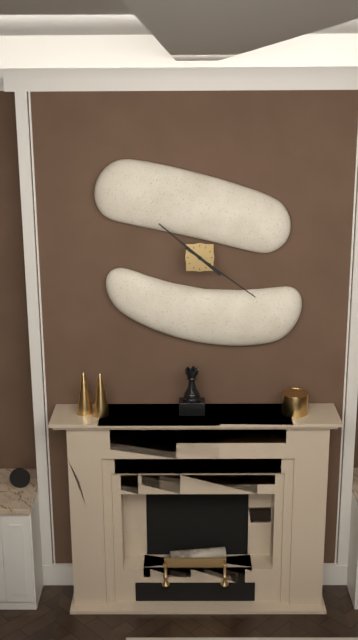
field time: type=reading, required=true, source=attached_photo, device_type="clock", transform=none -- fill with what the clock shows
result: 10:21
